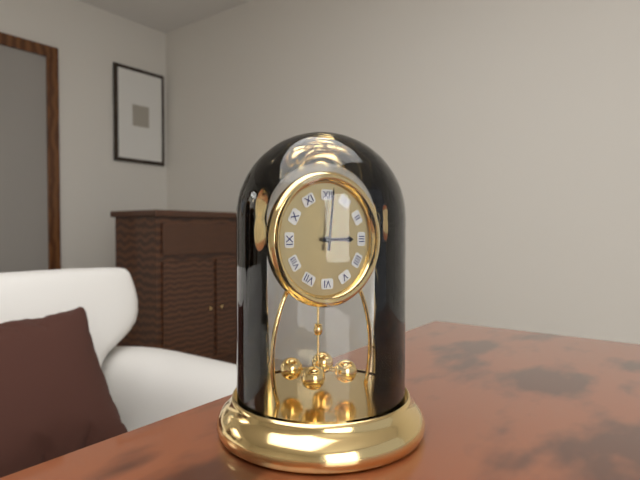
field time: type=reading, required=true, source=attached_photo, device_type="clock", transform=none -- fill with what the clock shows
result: 3:01
